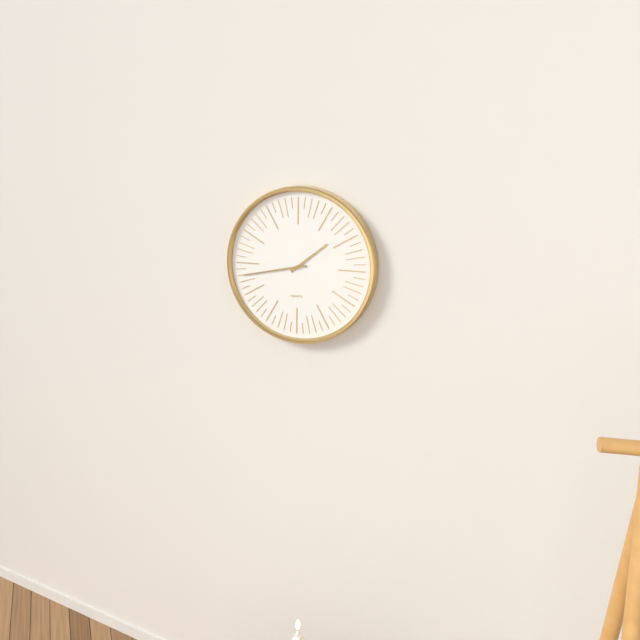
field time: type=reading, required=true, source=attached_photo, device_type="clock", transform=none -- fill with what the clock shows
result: 1:43
